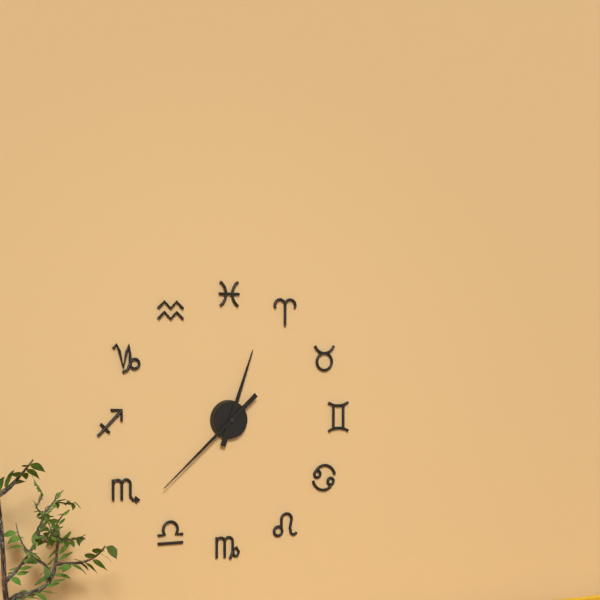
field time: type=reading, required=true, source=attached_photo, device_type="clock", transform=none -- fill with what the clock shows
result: 12:38
